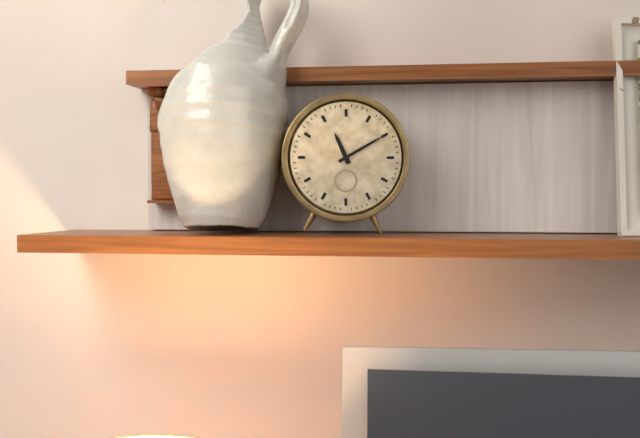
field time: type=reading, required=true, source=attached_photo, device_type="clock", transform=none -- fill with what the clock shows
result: 11:10
